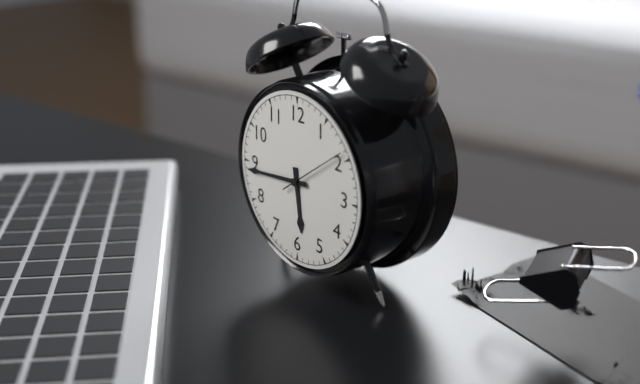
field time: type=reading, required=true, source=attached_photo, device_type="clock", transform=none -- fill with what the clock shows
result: 5:44:09
